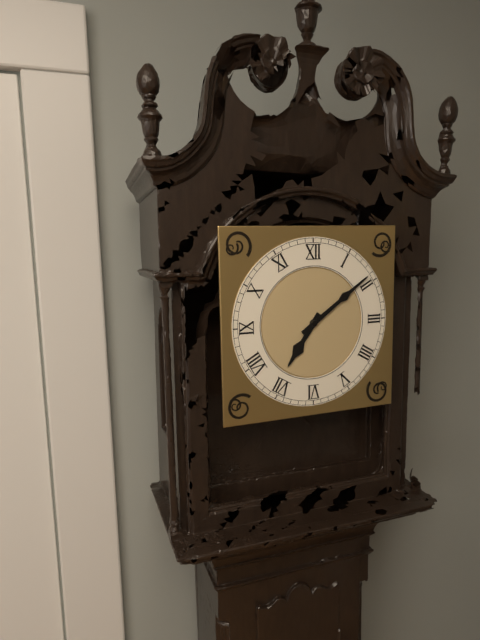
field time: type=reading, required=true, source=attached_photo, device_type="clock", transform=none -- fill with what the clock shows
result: 7:09
